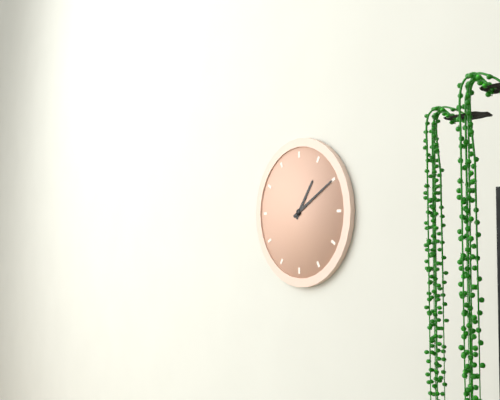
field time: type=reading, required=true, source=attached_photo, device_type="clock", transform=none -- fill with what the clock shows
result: 1:10
